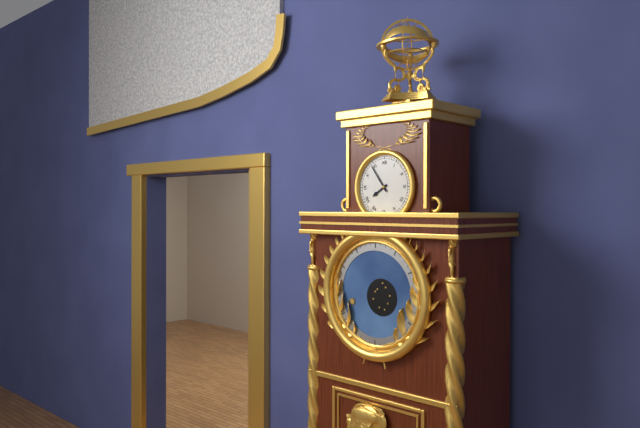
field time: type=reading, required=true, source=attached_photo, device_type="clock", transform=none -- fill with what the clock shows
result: 7:54
